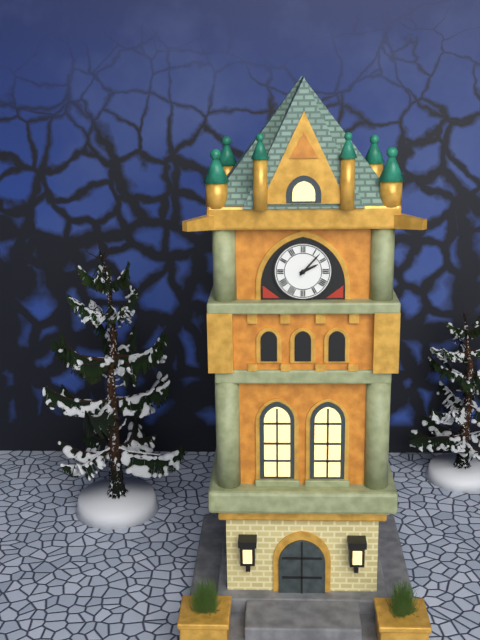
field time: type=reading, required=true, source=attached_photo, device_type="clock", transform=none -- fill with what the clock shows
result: 2:07
